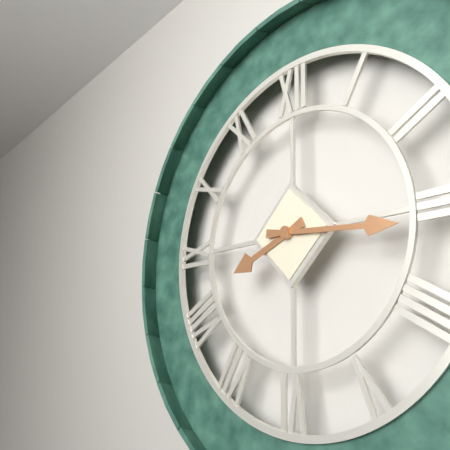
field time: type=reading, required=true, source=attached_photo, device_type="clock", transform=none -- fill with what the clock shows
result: 8:16
